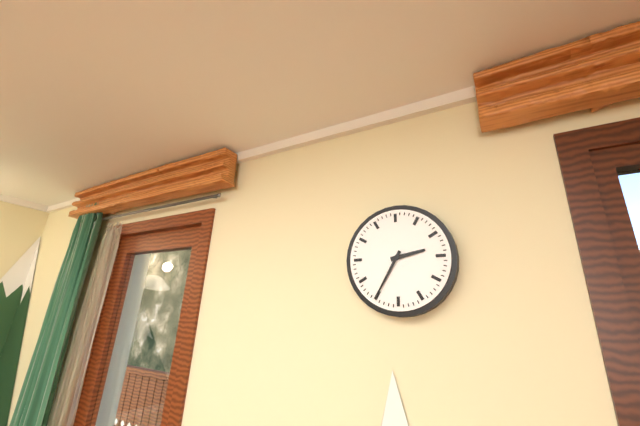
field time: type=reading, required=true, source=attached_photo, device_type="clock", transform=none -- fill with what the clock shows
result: 2:35
